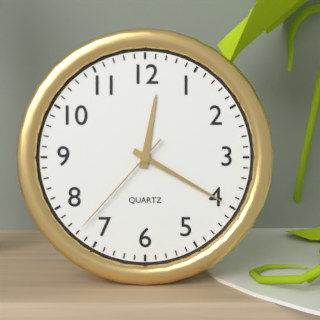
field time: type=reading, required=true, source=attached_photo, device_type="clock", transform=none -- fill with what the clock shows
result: 12:20:37
